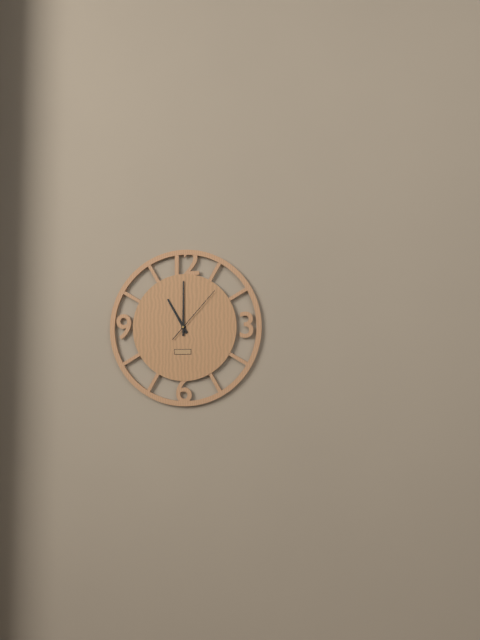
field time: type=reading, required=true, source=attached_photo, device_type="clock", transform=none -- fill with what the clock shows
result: 11:00:07
